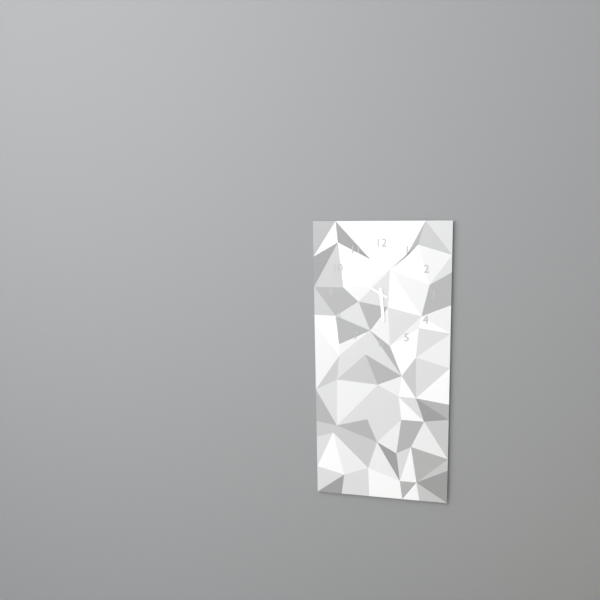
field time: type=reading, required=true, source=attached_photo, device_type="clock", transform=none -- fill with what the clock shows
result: 5:50
